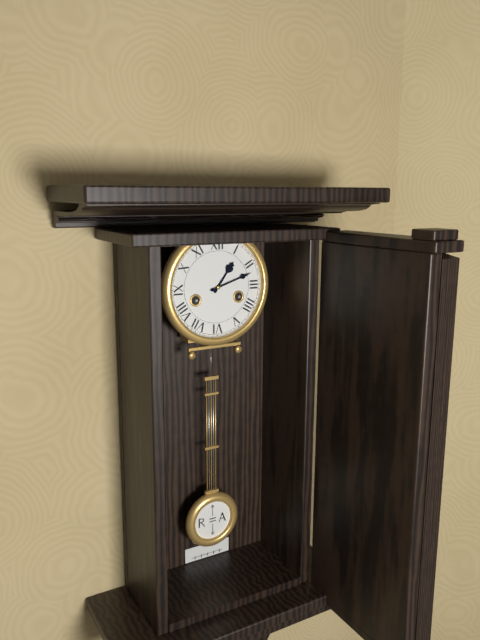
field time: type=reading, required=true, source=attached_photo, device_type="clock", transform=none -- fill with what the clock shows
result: 1:12
